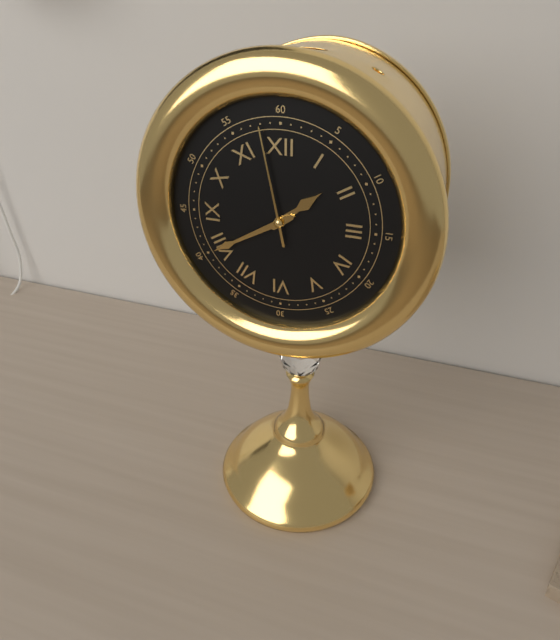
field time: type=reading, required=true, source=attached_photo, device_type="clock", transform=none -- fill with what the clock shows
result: 1:40:58
